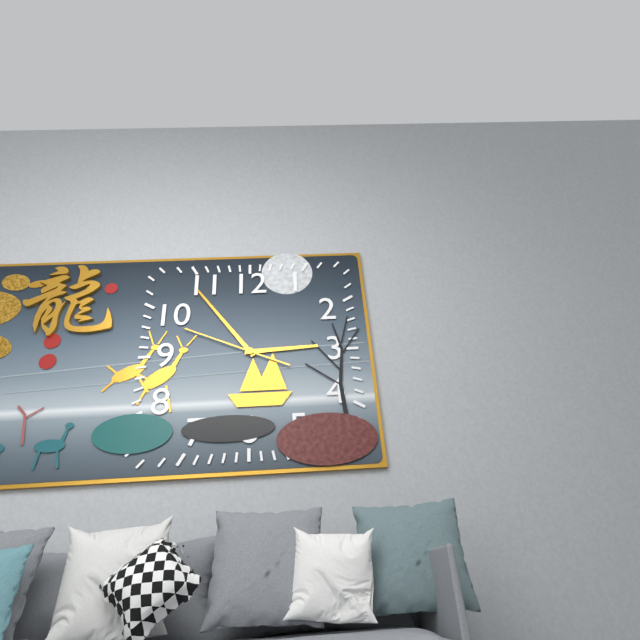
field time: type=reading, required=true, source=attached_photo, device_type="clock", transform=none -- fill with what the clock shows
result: 2:54:49
